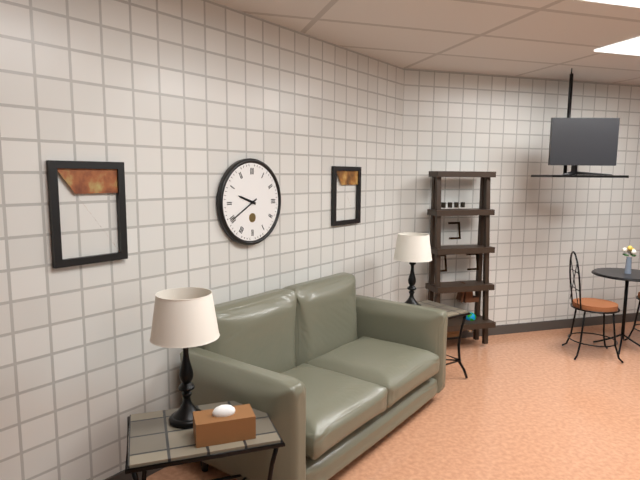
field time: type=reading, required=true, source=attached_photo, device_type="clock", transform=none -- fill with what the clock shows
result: 9:40
